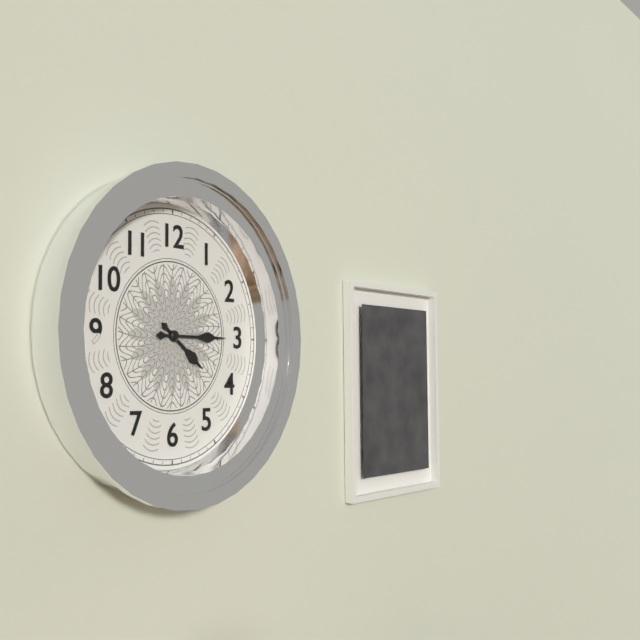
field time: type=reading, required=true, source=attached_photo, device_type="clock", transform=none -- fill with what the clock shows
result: 4:15
